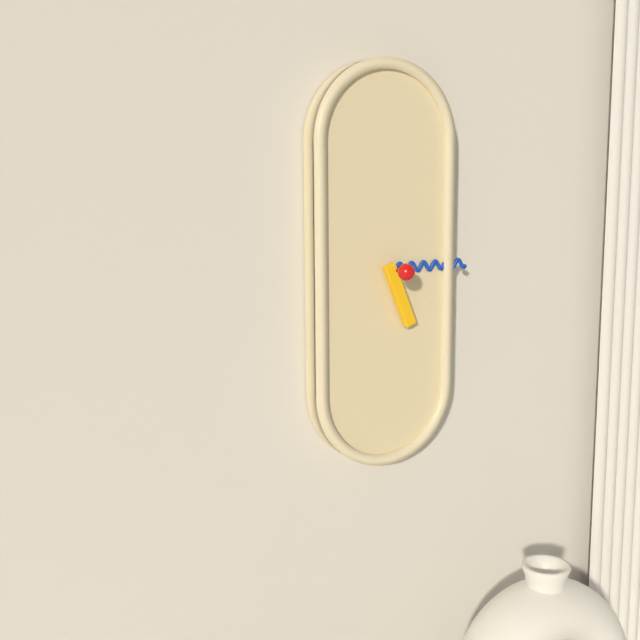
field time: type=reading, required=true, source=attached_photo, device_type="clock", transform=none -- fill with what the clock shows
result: 5:15
